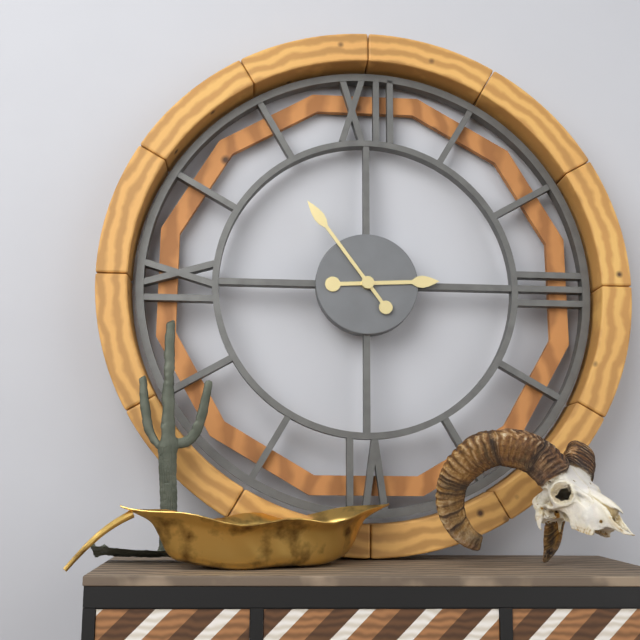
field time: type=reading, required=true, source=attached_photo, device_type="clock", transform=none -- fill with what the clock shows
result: 2:54
